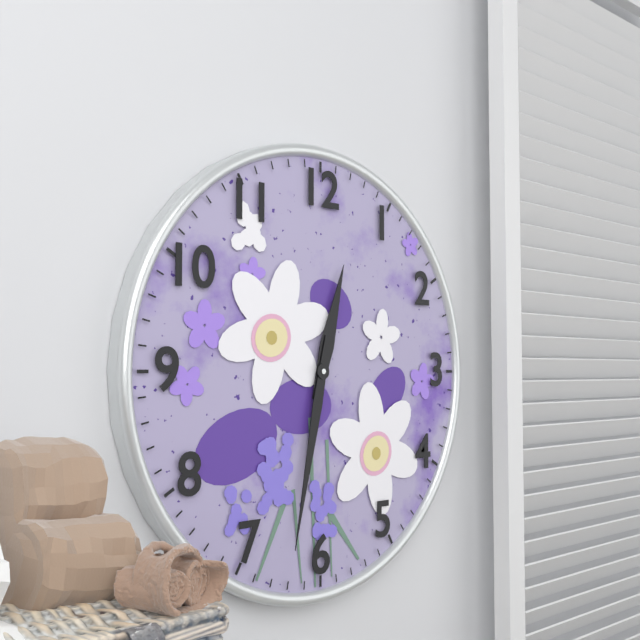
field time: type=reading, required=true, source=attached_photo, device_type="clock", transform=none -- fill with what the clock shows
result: 12:32
